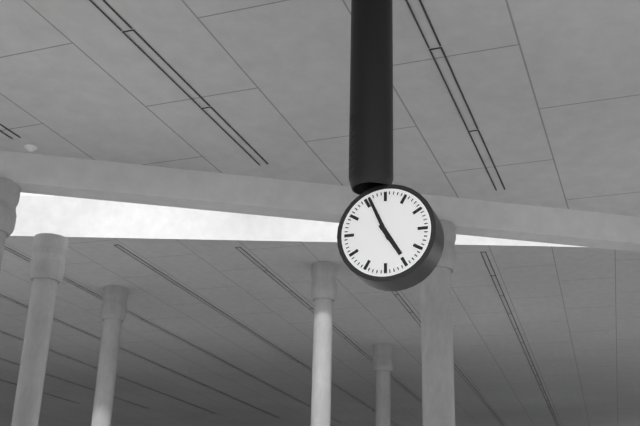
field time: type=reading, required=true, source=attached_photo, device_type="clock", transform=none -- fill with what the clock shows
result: 4:56
